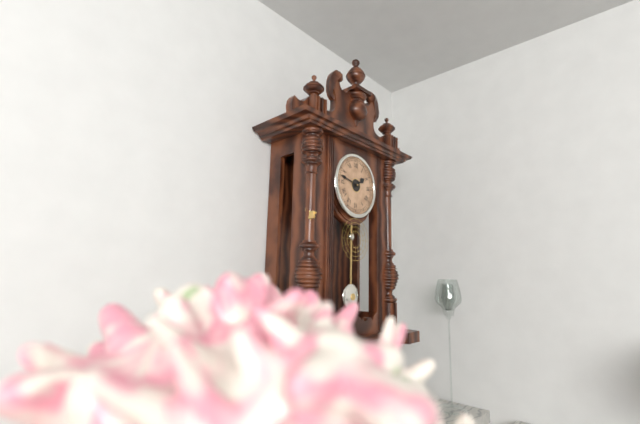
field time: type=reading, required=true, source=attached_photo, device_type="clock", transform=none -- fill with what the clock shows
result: 1:47
